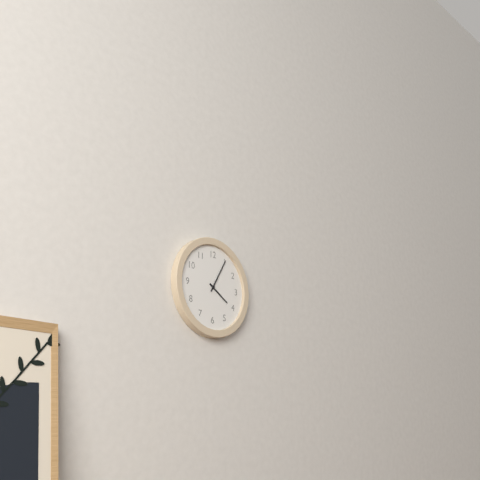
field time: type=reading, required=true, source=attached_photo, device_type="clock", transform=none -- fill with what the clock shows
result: 4:05
